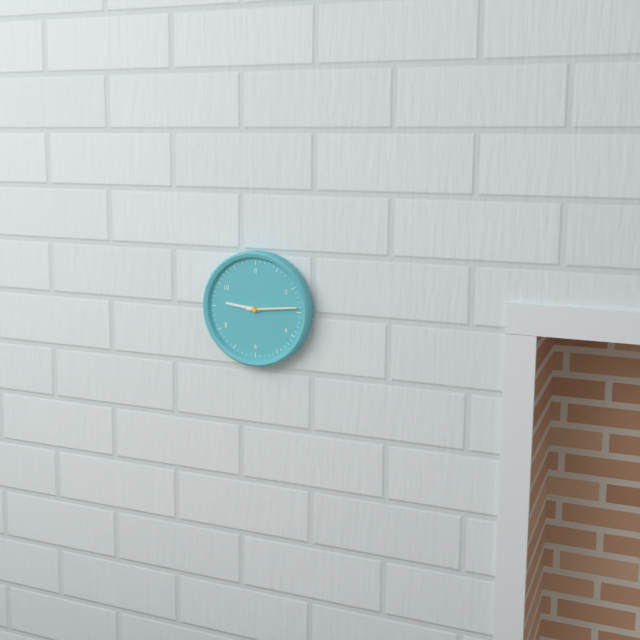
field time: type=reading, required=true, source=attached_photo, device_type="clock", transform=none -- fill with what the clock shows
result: 9:14
